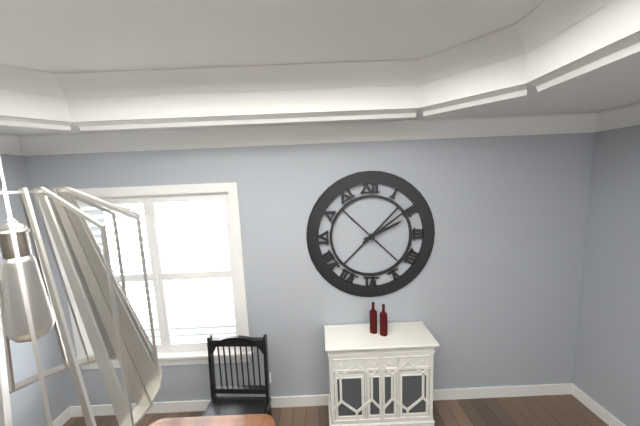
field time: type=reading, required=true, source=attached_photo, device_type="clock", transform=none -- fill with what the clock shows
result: 2:09
